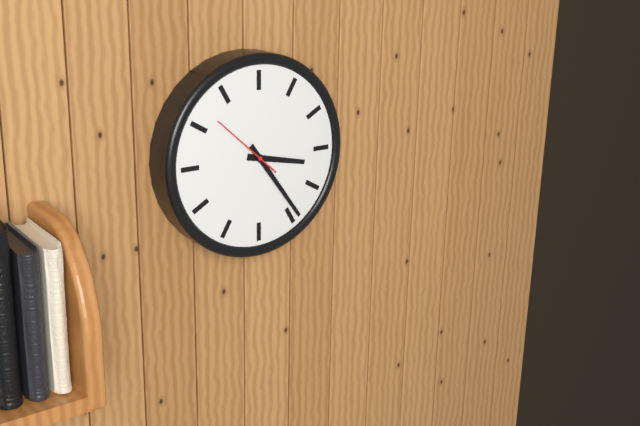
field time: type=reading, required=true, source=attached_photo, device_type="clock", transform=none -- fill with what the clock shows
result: 3:24
